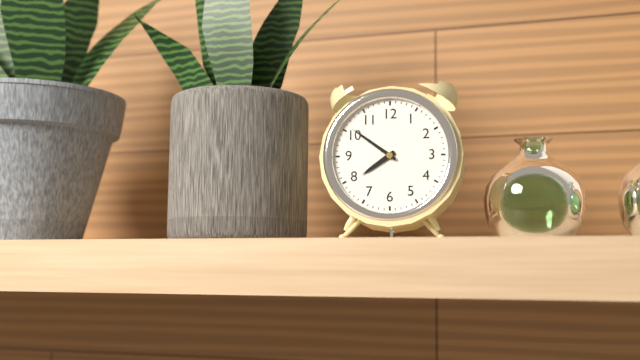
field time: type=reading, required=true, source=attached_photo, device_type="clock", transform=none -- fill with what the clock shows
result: 7:51
